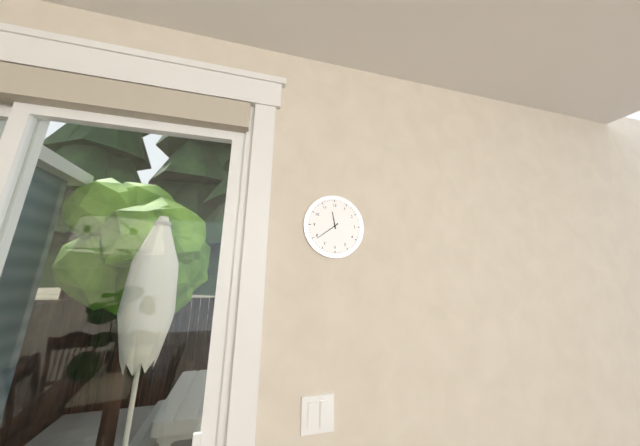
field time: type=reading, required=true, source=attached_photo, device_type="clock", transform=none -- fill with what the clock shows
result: 11:39
